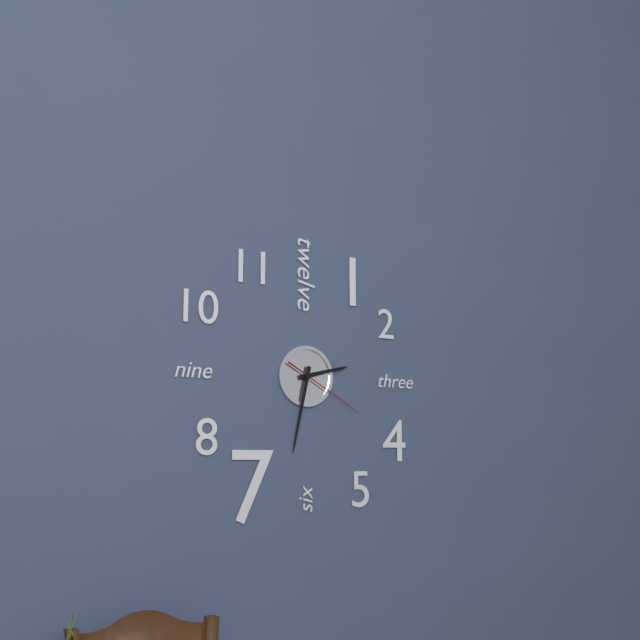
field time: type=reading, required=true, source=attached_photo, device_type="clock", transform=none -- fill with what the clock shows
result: 2:32:20
